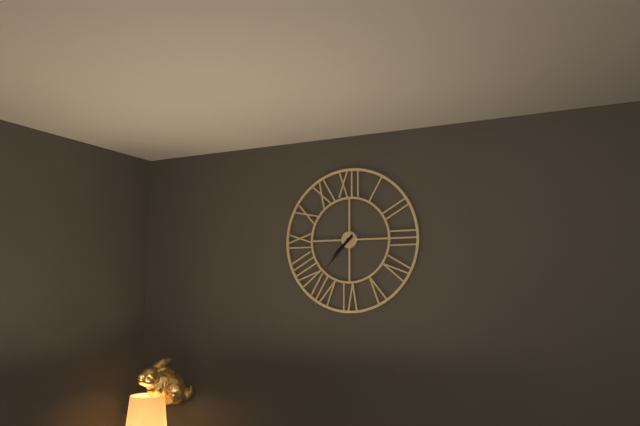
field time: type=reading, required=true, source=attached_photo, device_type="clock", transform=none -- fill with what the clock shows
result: 7:37
